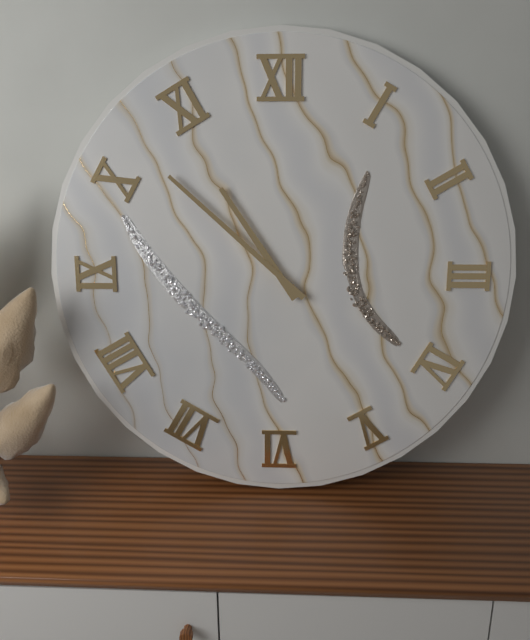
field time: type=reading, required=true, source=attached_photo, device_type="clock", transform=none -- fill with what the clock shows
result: 10:52
